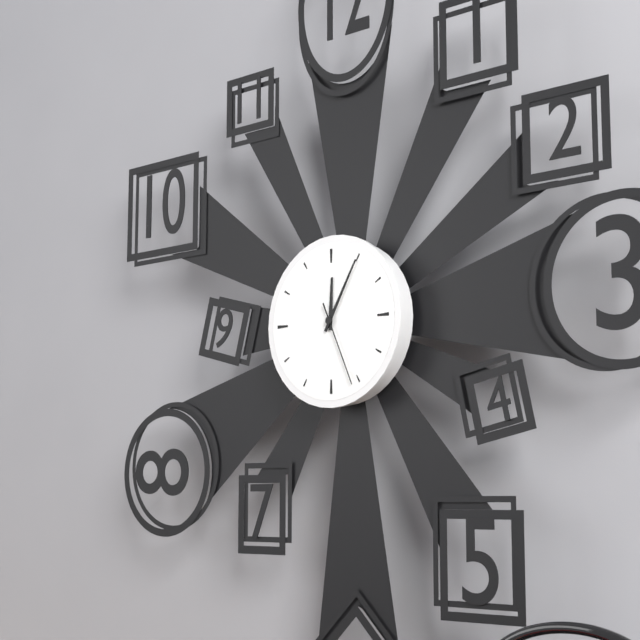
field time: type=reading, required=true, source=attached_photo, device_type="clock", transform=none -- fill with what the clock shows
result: 12:05:26
